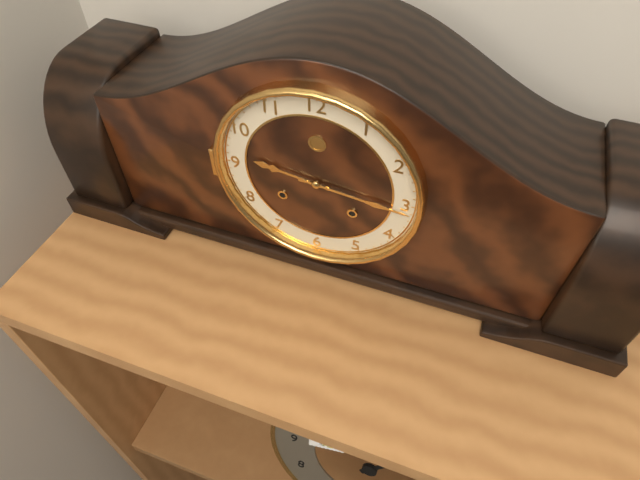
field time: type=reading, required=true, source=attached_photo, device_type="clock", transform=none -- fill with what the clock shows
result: 9:16
